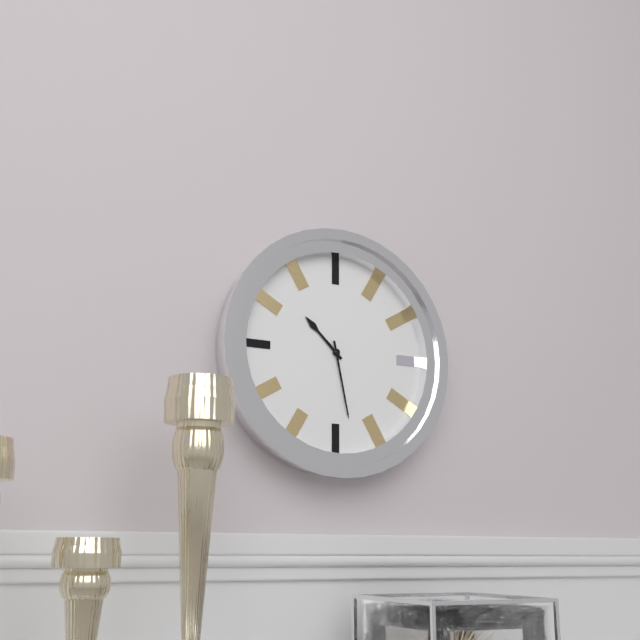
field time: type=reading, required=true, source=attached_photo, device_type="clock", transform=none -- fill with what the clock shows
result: 10:28
